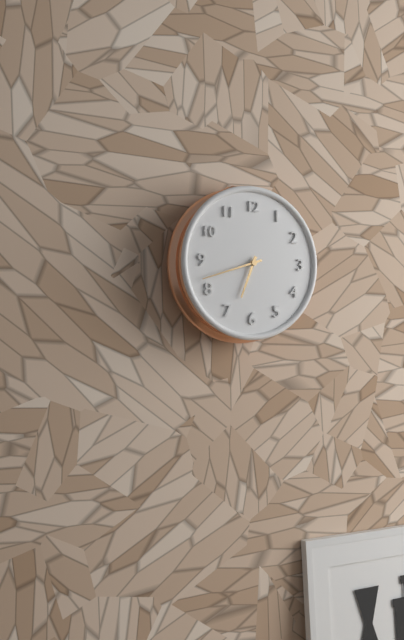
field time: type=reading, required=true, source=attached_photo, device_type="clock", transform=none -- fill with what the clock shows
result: 6:42
